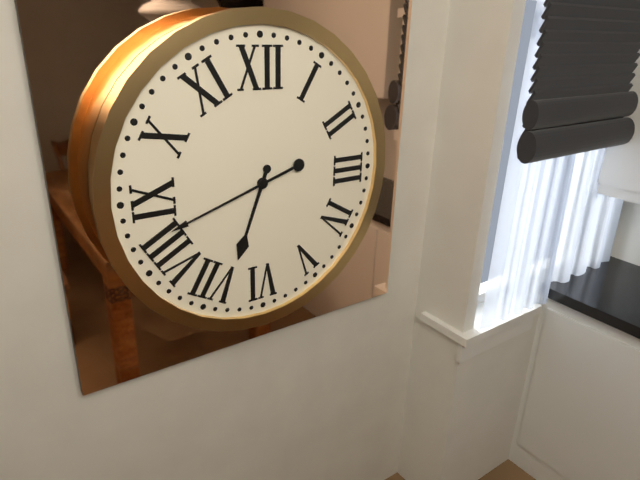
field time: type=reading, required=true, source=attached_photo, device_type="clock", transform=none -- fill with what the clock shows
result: 6:42
